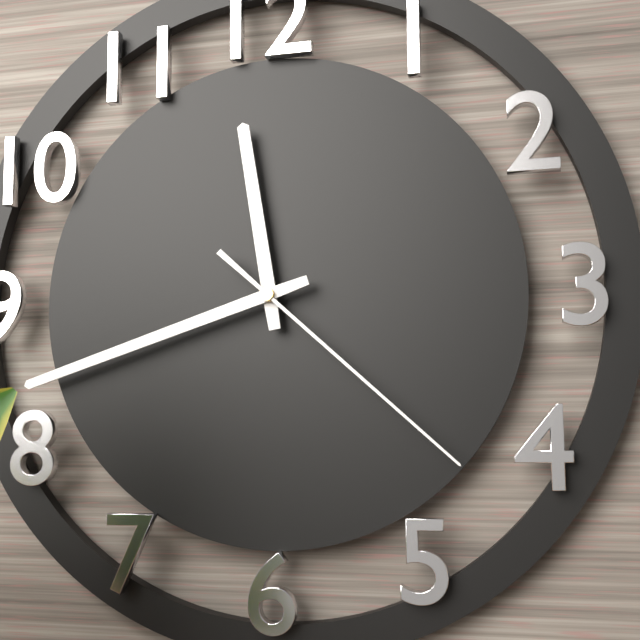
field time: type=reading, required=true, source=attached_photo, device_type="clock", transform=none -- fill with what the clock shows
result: 11:42:22
